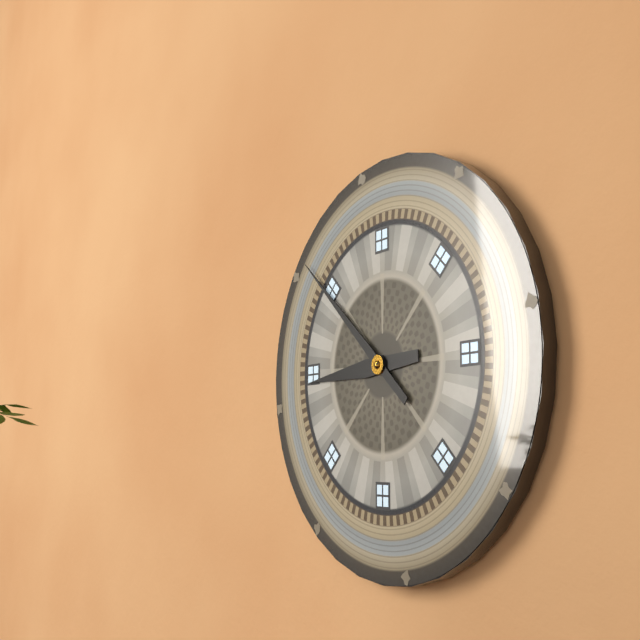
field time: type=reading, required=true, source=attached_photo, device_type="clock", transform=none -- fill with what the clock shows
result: 8:52
